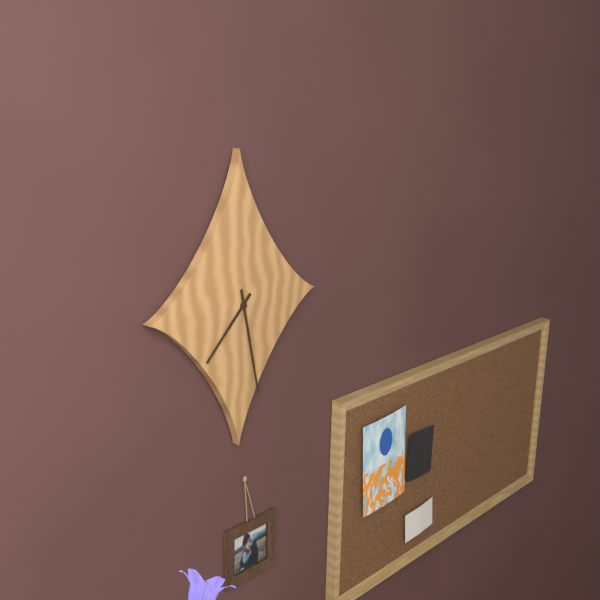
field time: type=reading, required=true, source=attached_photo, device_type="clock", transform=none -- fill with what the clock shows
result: 7:28
